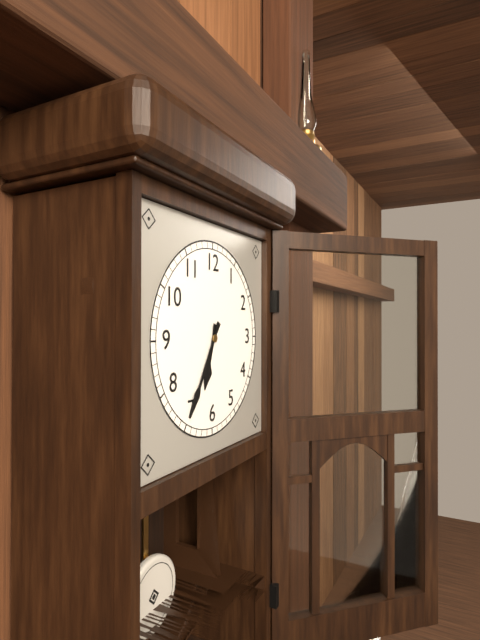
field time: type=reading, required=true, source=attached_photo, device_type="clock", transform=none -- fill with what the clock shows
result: 6:35
